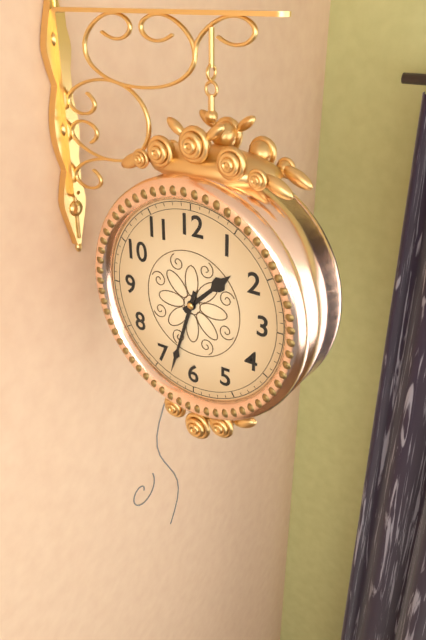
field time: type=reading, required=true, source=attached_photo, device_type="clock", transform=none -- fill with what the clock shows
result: 1:33
